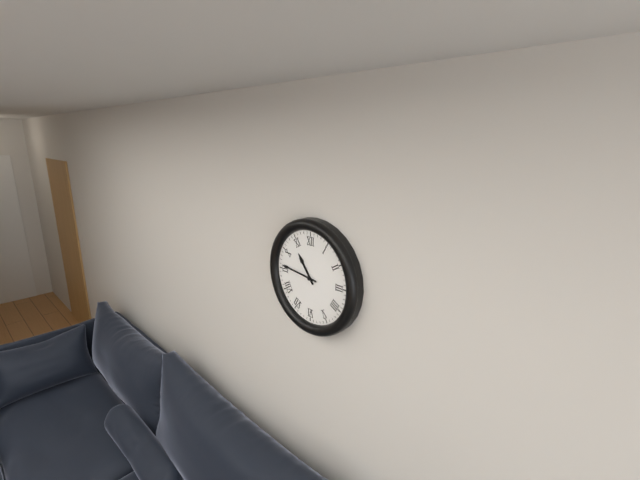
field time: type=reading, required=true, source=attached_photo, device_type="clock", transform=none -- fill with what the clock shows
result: 10:46
